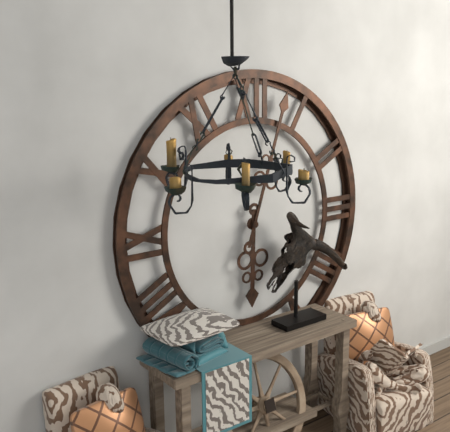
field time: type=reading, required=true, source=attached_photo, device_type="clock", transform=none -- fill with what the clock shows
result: 6:03
